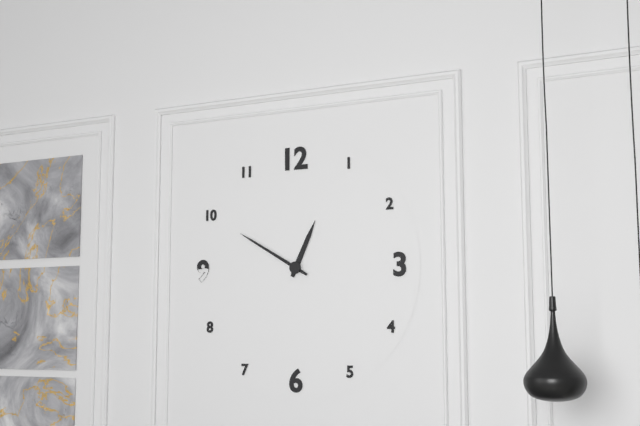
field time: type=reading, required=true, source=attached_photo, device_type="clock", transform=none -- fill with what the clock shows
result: 12:50
